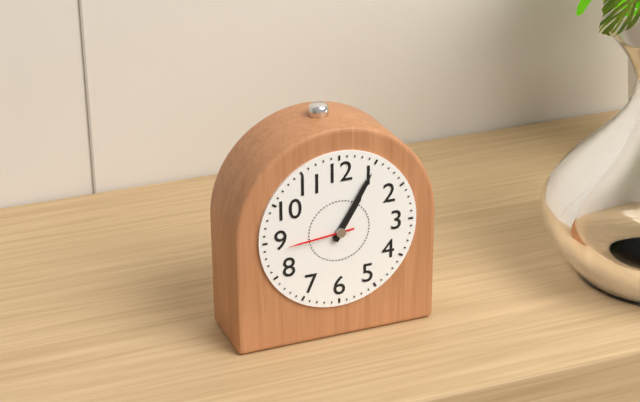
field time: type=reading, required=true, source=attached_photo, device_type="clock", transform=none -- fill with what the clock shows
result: 1:05:44
